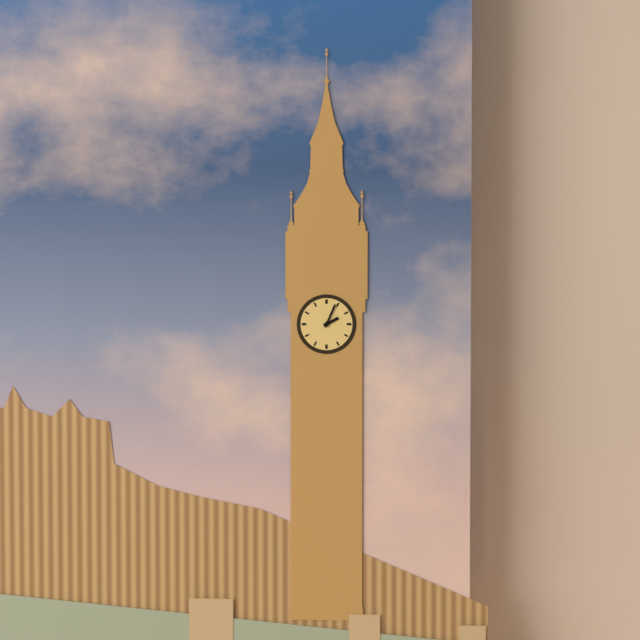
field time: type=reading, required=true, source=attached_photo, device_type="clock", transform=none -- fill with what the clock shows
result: 2:04
